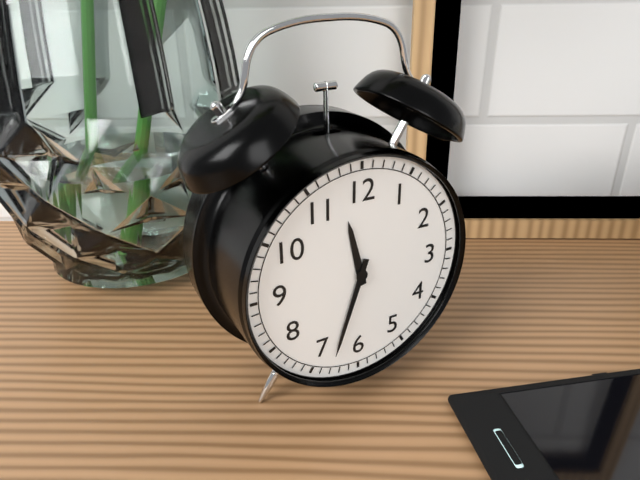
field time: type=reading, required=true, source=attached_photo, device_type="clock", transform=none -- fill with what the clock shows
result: 11:33
